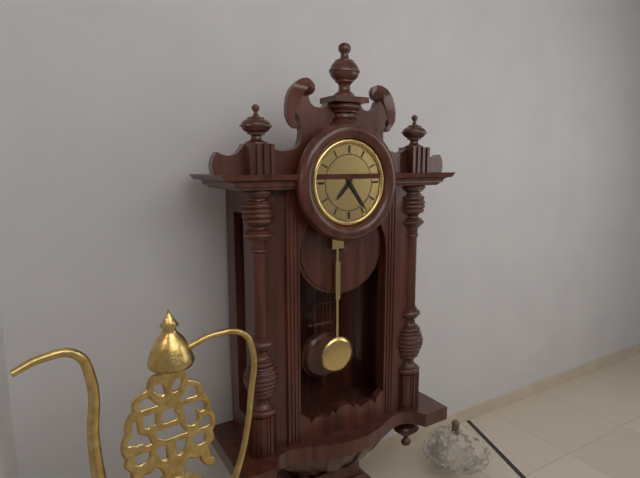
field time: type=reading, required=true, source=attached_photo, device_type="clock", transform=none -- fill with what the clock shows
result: 7:24
